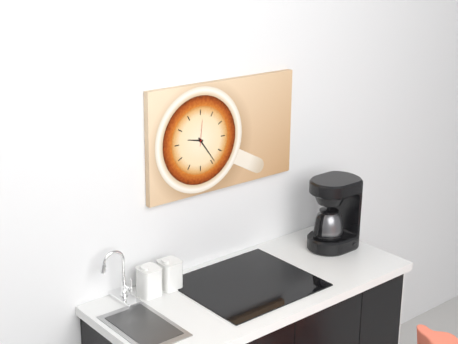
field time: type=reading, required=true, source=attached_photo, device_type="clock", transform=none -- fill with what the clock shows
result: 9:24
